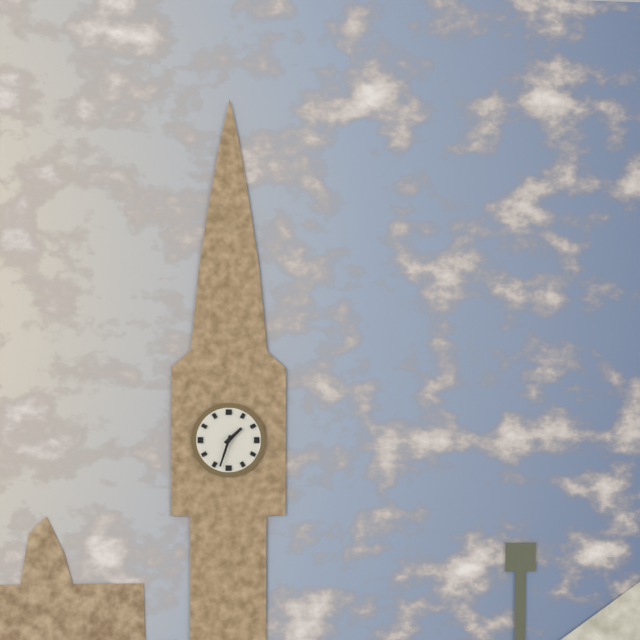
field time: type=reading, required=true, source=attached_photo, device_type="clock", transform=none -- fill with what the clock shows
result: 1:33
